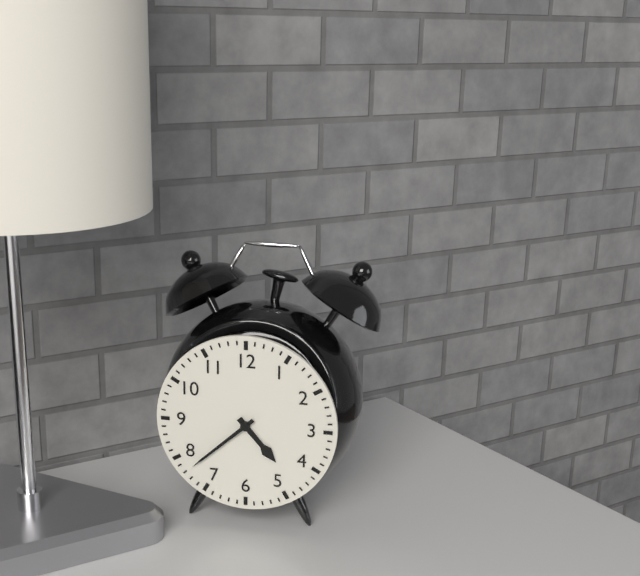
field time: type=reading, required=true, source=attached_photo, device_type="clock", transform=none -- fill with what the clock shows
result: 4:38
